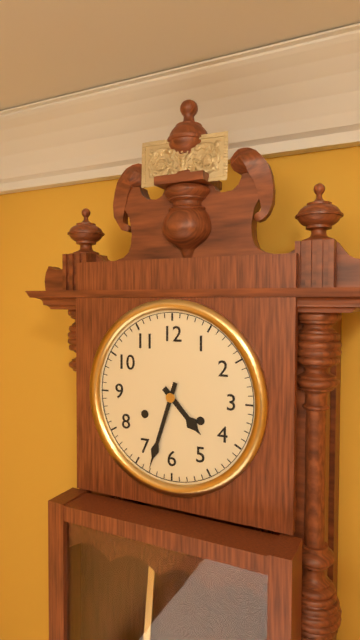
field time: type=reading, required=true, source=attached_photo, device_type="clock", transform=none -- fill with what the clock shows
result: 4:33
